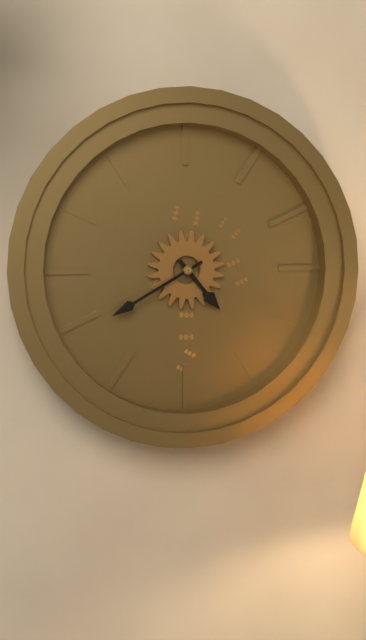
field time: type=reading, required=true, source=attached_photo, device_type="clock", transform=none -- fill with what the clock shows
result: 4:40
